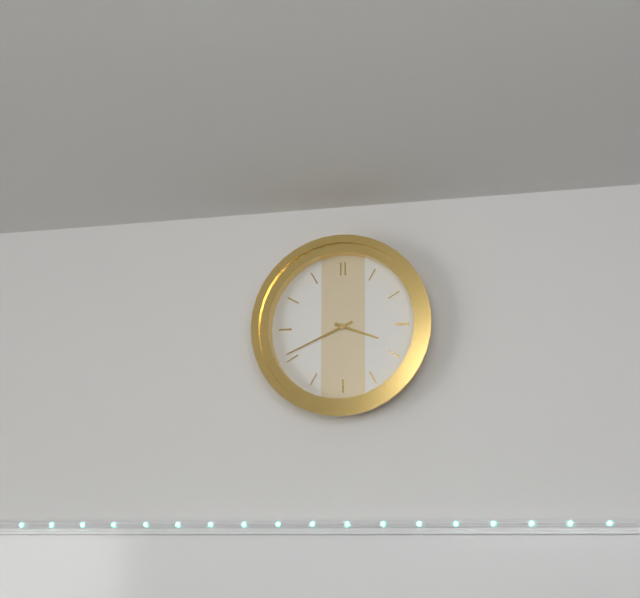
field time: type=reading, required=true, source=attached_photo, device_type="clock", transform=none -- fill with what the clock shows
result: 3:41
